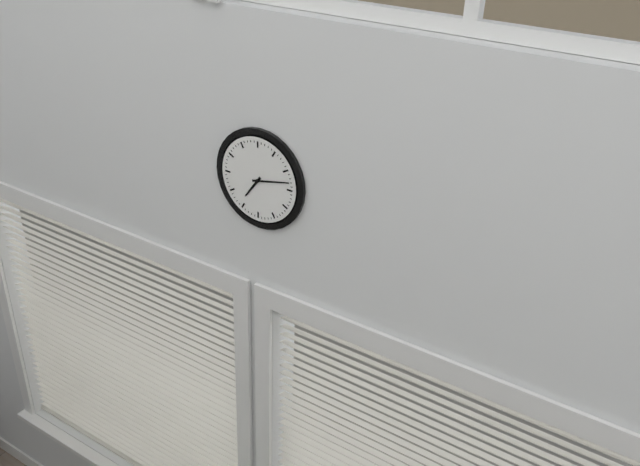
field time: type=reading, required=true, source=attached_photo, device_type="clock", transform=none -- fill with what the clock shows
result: 7:13
